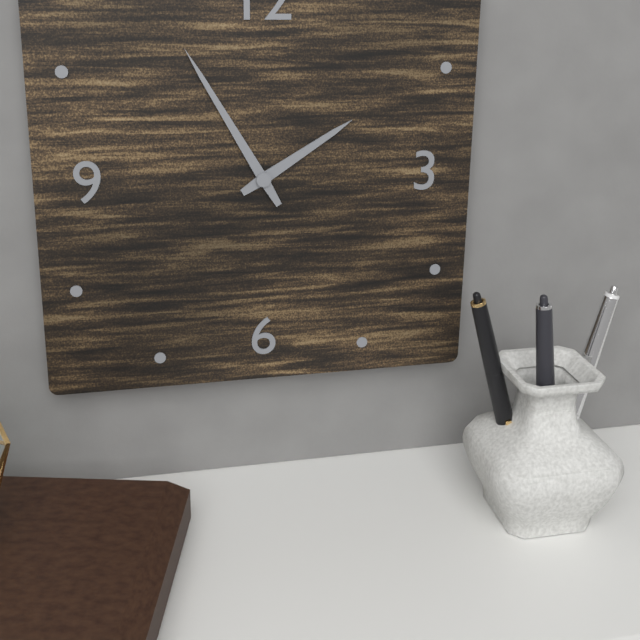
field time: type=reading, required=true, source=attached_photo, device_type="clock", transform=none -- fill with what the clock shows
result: 1:55
